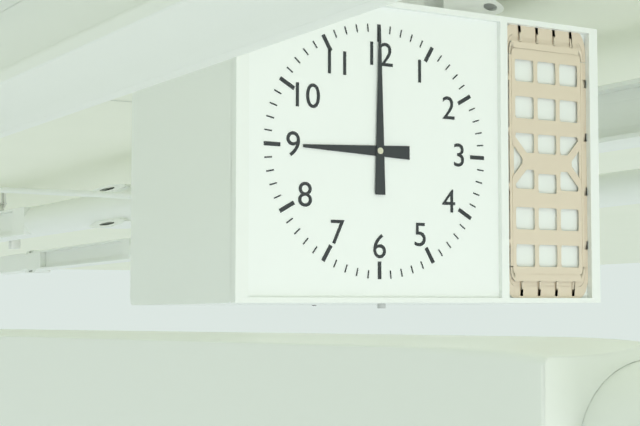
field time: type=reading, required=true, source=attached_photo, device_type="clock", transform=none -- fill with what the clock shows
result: 9:00
